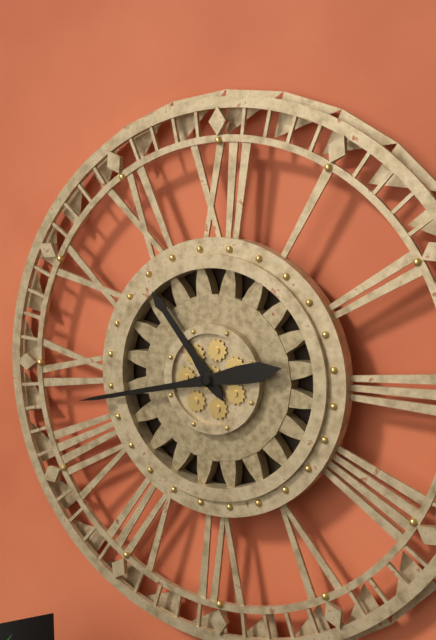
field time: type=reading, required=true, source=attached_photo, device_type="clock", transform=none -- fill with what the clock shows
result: 10:43
